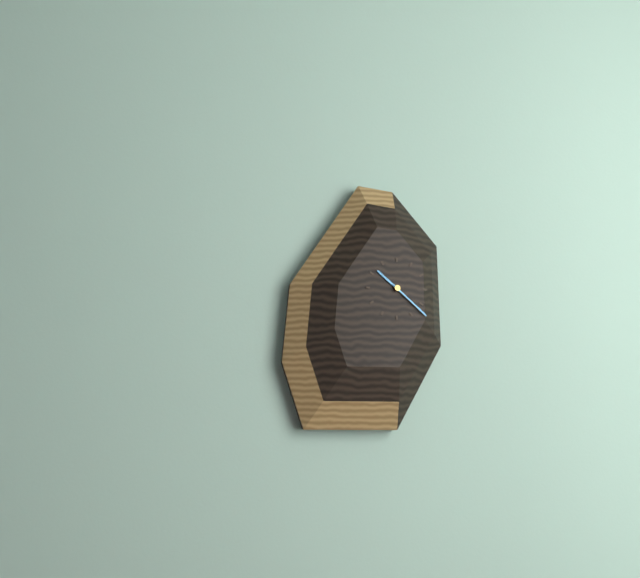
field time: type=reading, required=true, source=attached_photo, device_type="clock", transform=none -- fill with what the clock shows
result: 10:22
